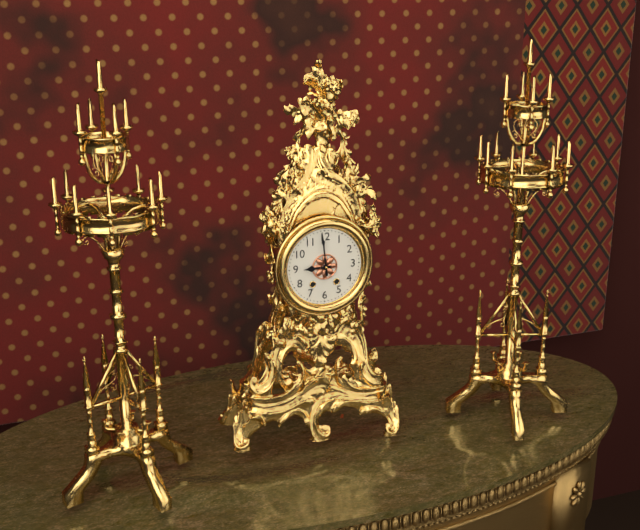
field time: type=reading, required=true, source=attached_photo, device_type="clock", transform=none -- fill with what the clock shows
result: 8:59
